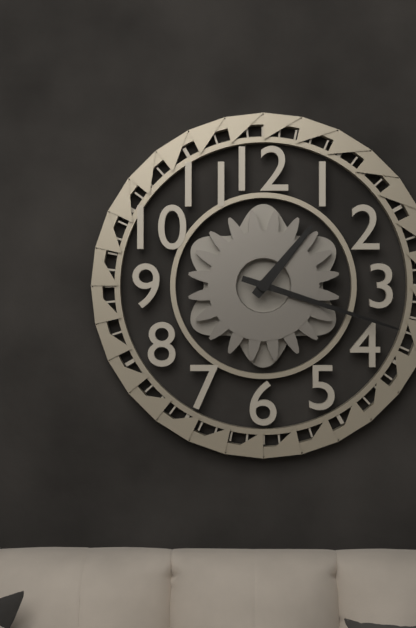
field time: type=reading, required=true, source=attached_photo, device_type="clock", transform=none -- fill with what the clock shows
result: 1:18
